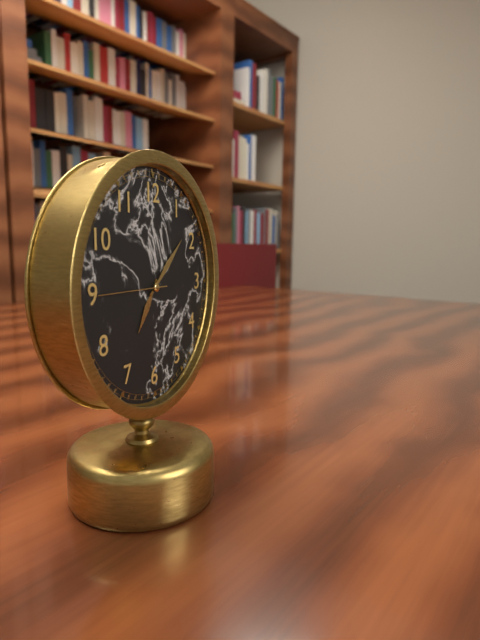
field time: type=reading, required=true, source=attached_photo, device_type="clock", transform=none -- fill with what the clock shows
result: 7:08:45
